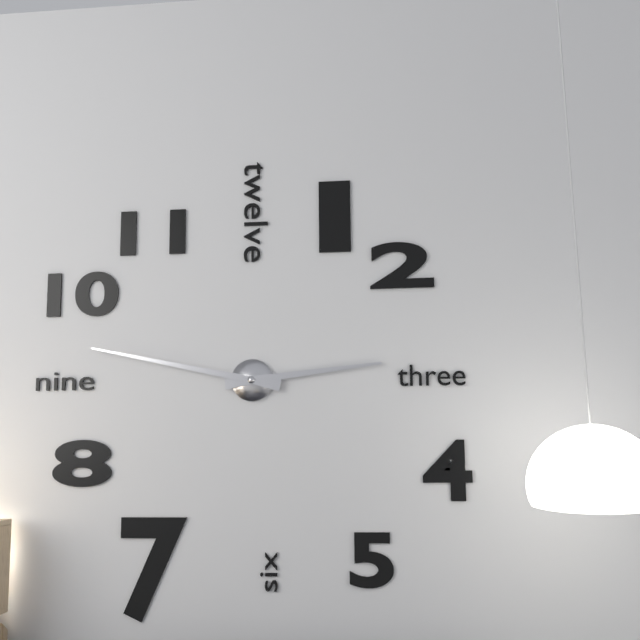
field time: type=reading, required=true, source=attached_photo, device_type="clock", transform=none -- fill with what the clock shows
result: 2:47
